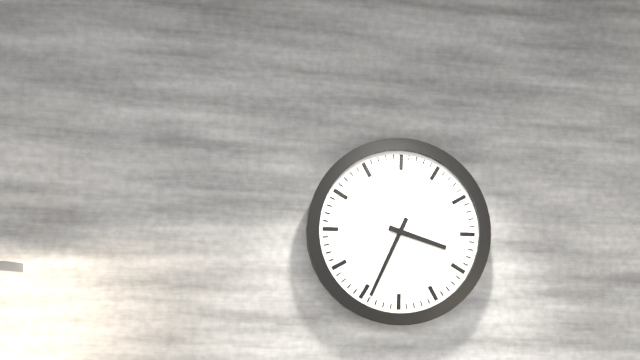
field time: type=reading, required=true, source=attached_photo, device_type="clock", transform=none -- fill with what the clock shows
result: 3:34
